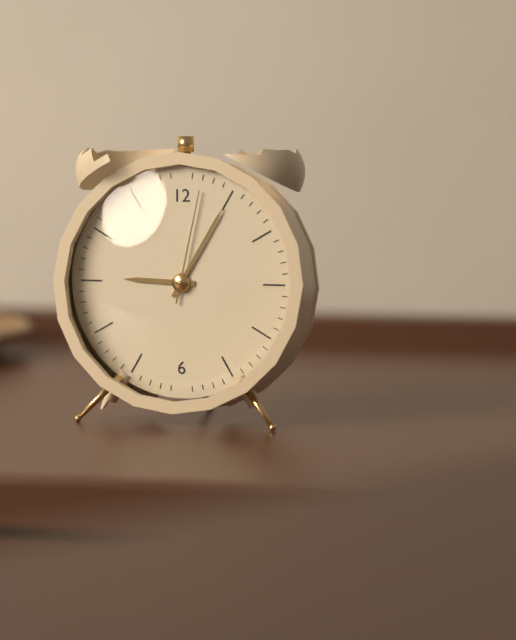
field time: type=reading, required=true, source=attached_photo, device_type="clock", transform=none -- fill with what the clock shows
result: 9:05:02
